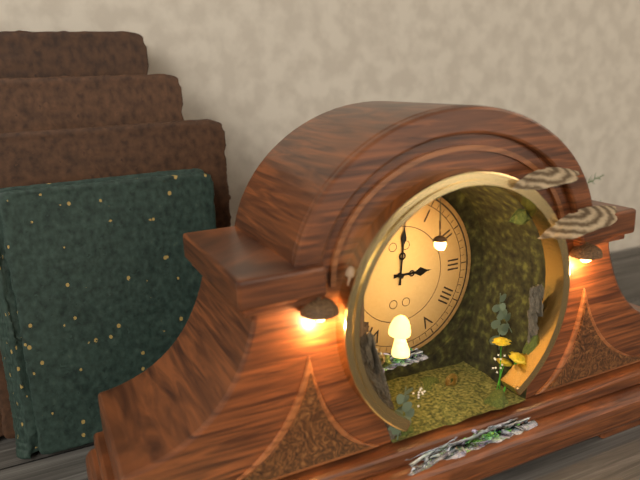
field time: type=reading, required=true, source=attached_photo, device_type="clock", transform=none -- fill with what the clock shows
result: 3:01
